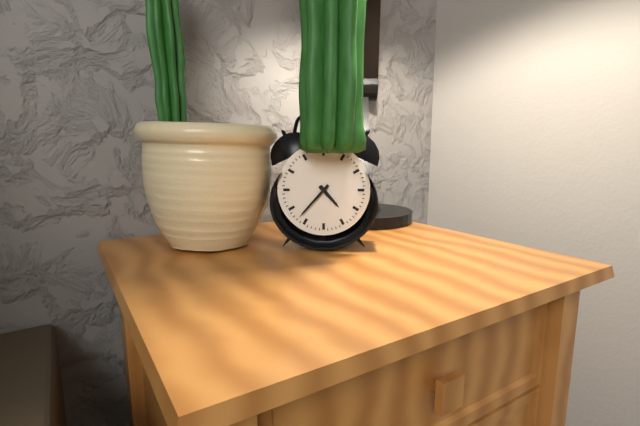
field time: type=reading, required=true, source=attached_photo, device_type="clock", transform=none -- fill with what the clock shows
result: 4:37
